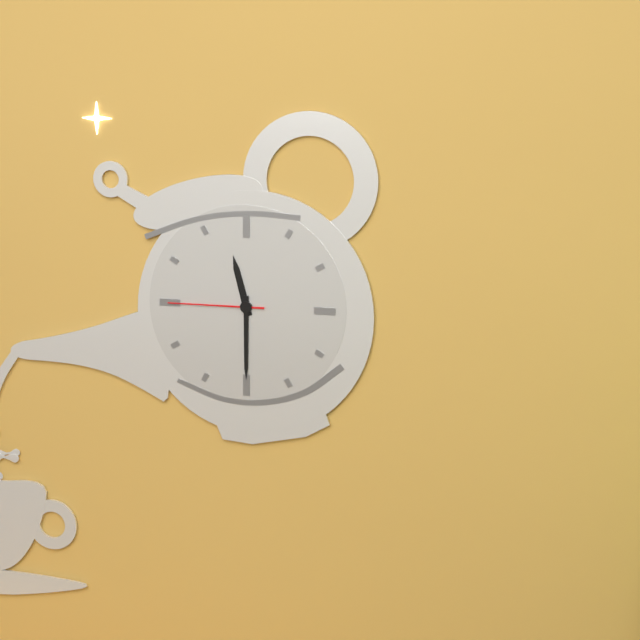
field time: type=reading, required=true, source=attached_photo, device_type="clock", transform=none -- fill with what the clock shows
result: 11:30:45
